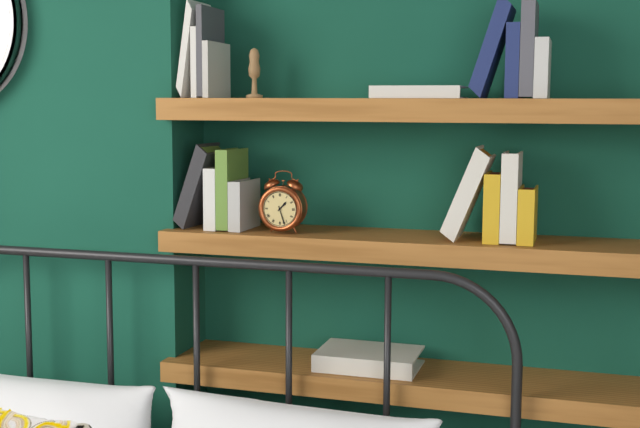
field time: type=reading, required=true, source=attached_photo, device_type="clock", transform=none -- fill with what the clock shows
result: 1:27
